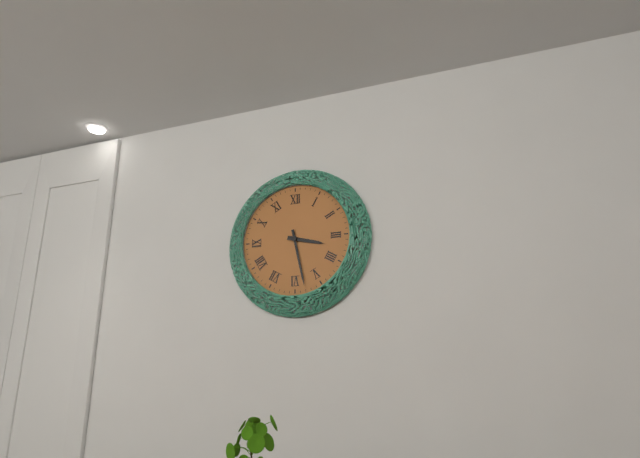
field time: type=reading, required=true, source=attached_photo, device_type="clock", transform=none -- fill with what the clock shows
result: 3:28
